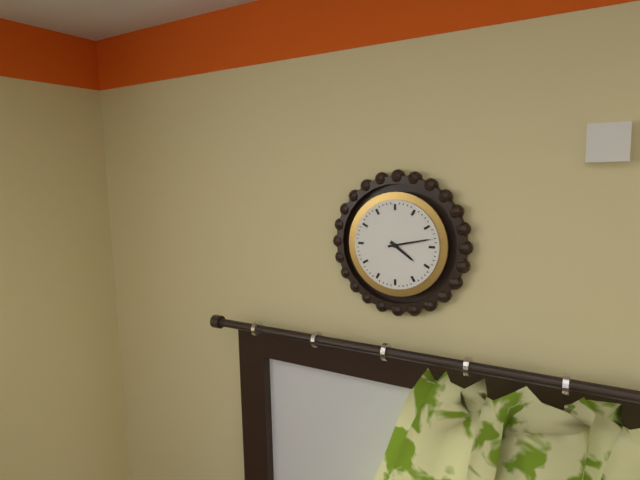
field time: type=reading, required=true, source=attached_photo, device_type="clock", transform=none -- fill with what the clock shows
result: 4:13
